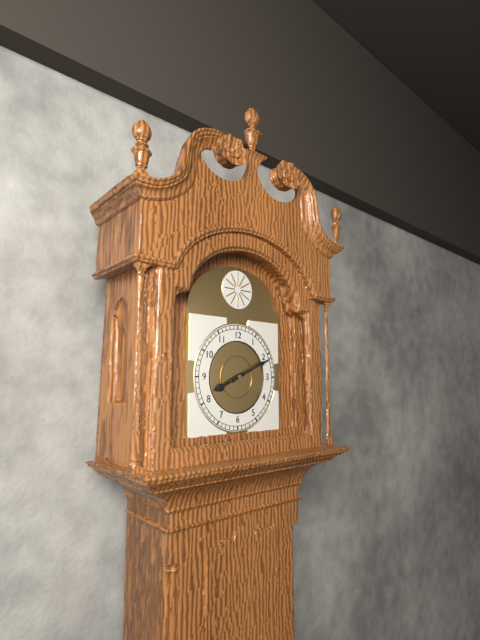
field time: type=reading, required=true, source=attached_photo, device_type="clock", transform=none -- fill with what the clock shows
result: 8:11
